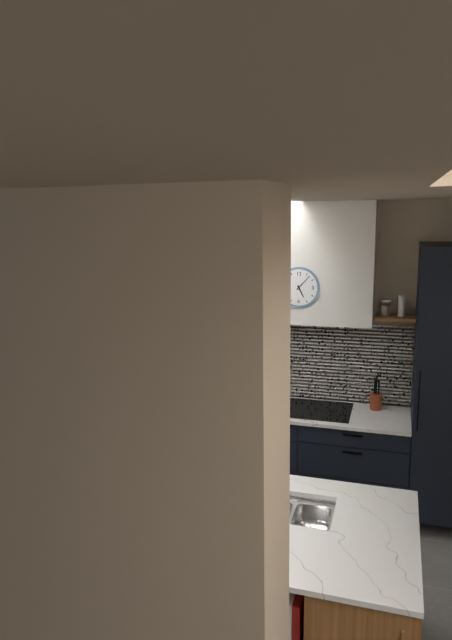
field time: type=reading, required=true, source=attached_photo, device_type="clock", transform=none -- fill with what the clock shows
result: 5:07
